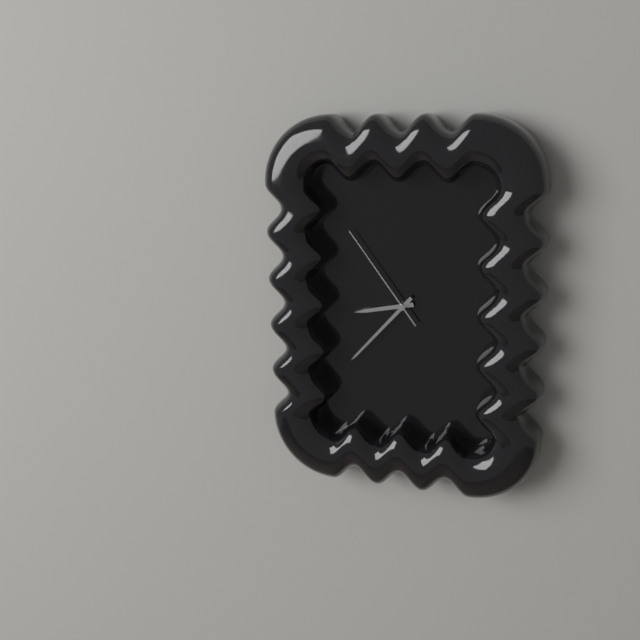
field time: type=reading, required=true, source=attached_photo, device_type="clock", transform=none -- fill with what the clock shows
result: 8:37:54
